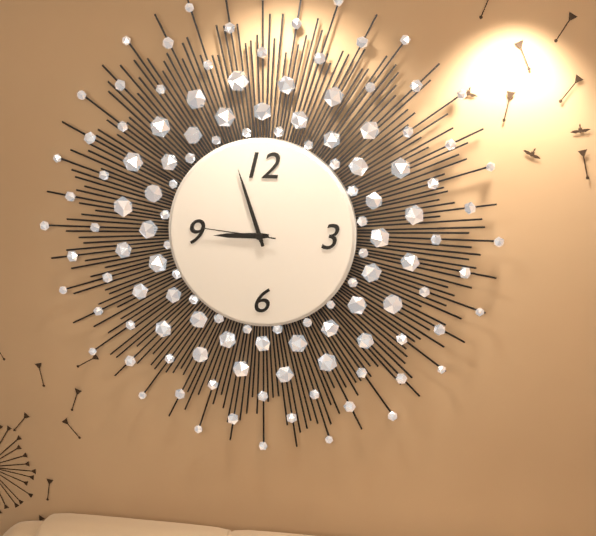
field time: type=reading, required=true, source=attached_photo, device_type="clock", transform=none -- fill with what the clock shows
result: 8:57:46
